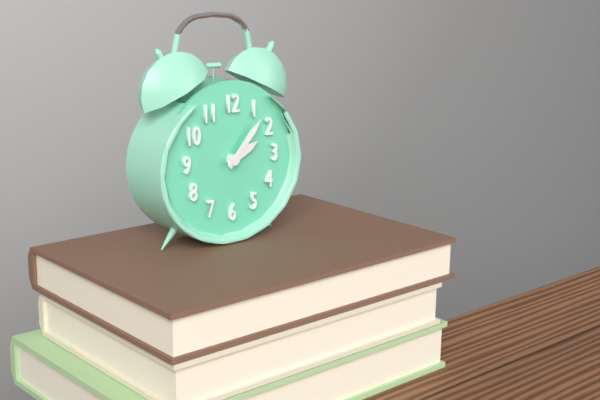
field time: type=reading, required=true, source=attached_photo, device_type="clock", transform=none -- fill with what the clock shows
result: 2:07
